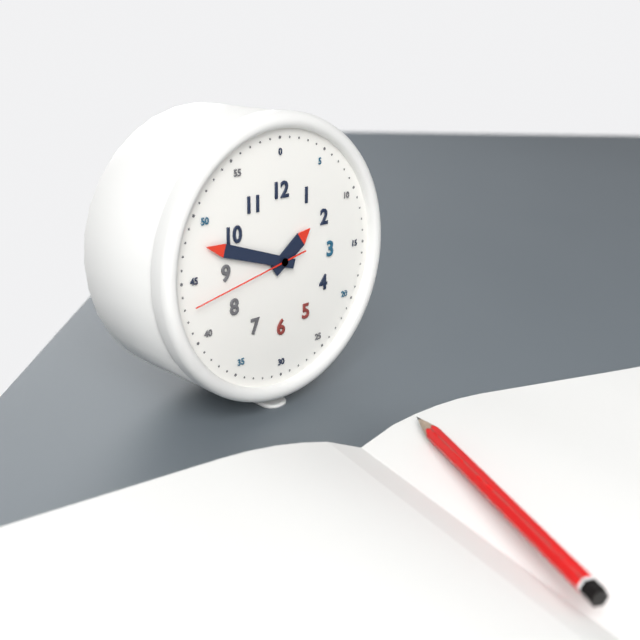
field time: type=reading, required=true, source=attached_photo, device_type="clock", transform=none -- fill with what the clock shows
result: 1:48:43
